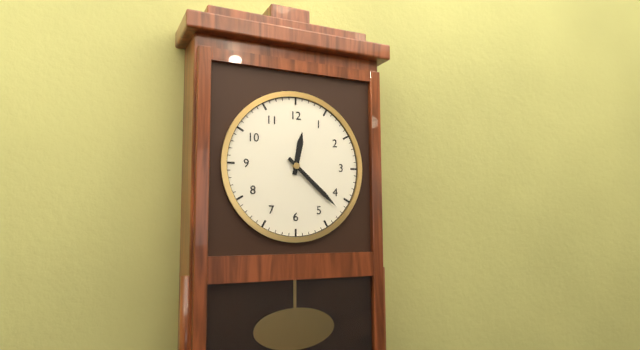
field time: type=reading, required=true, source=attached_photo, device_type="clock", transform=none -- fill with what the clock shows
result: 12:22
